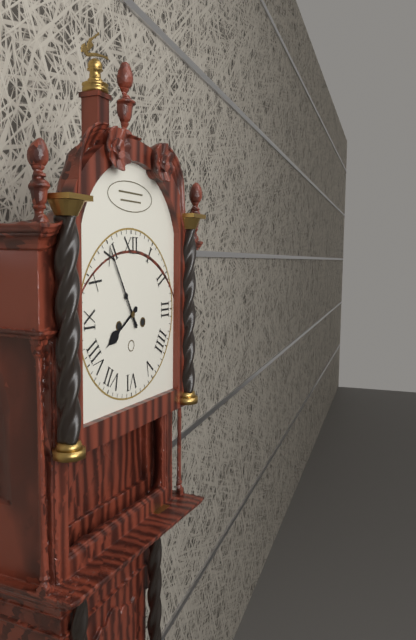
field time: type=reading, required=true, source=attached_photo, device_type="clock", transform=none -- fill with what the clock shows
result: 7:55
